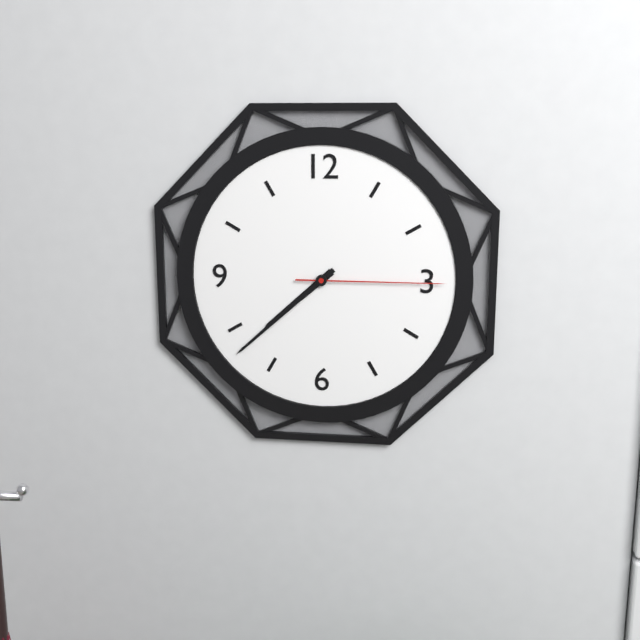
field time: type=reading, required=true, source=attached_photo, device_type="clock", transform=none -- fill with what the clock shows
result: 7:38:15
